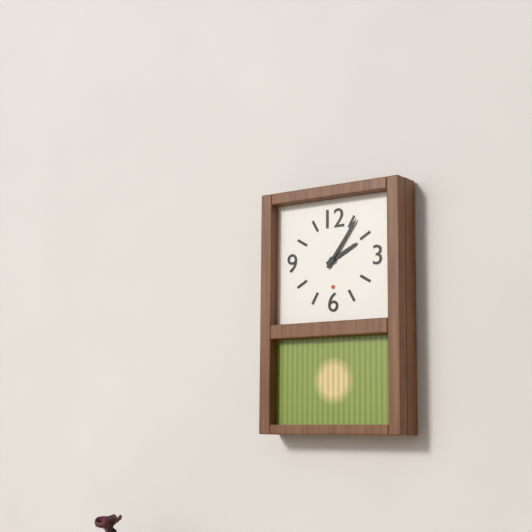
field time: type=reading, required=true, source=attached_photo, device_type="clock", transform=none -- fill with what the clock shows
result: 2:06
